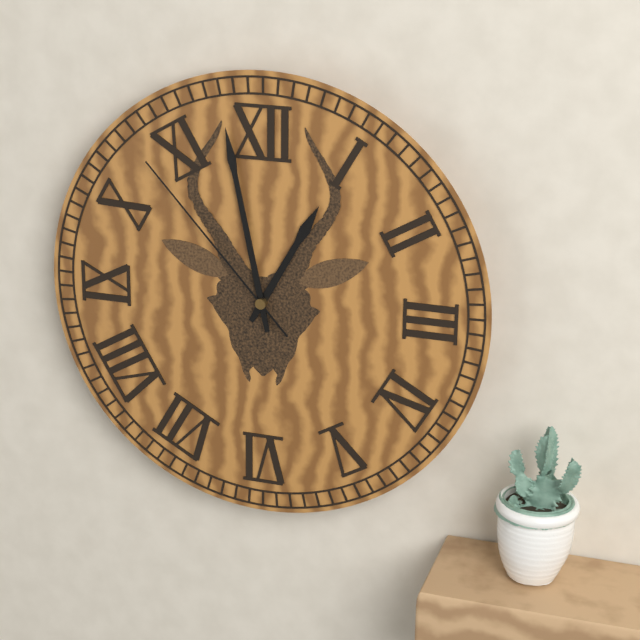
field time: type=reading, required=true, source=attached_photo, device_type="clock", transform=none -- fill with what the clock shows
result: 12:58:53
